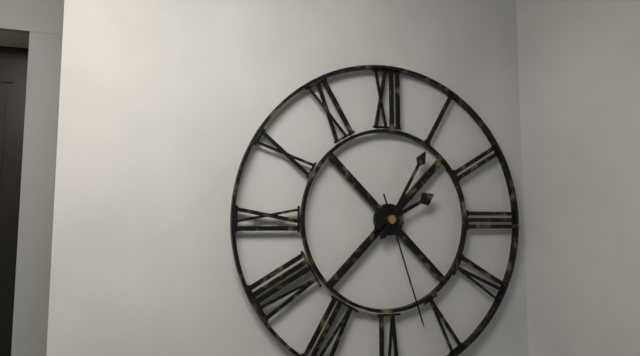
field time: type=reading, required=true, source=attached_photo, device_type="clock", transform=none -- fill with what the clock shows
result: 2:05:27
